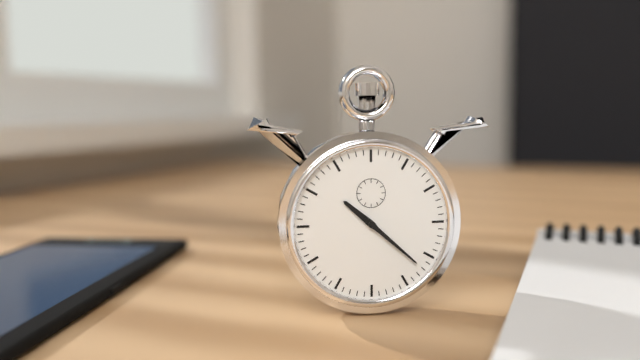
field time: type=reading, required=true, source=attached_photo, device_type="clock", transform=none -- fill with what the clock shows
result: 10:22
